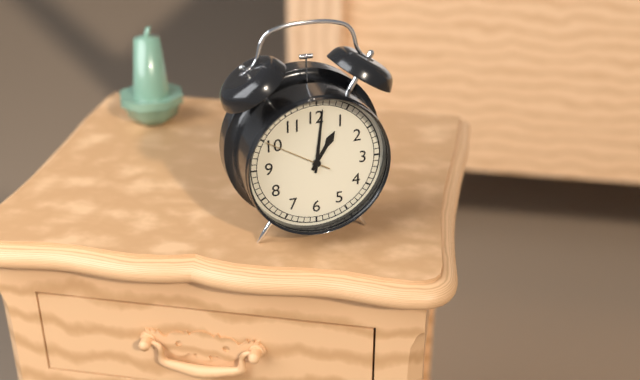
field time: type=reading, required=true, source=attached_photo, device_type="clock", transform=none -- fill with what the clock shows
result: 1:01:50
